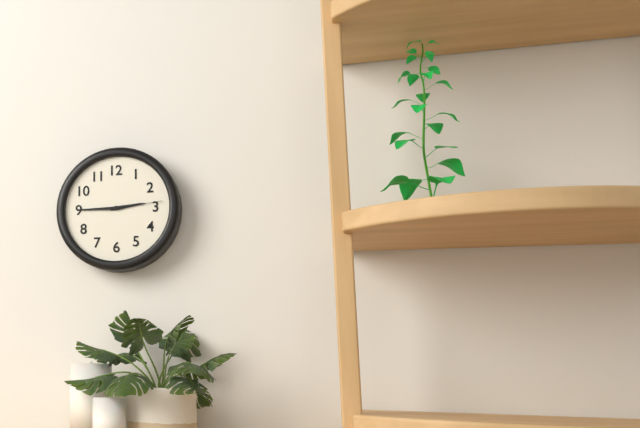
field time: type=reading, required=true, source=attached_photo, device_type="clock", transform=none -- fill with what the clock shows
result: 2:45:14
